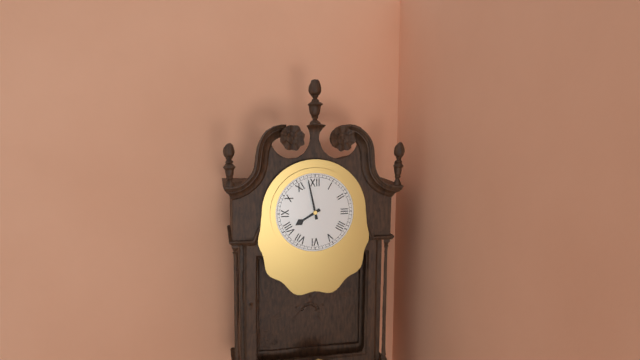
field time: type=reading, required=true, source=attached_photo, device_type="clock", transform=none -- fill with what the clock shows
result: 7:58
